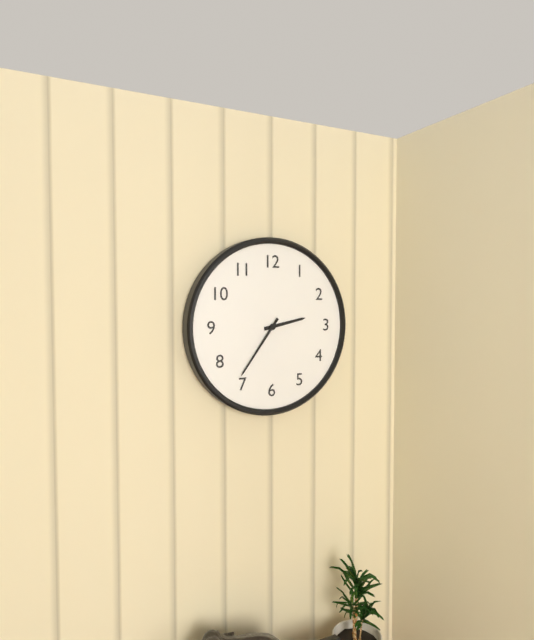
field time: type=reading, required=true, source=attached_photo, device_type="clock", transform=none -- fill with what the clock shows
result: 2:36
